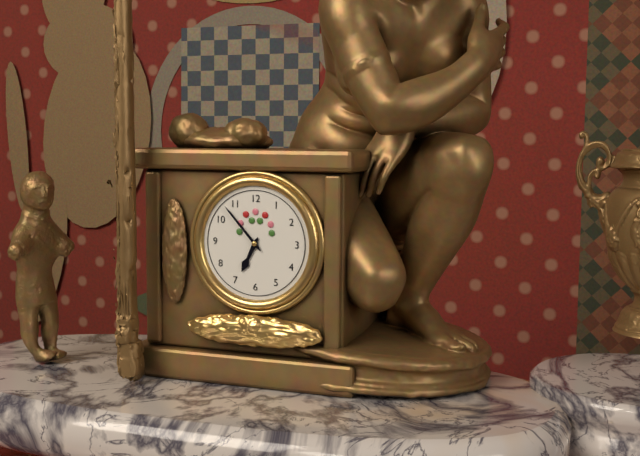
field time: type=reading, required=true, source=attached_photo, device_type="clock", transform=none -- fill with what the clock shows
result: 6:53
